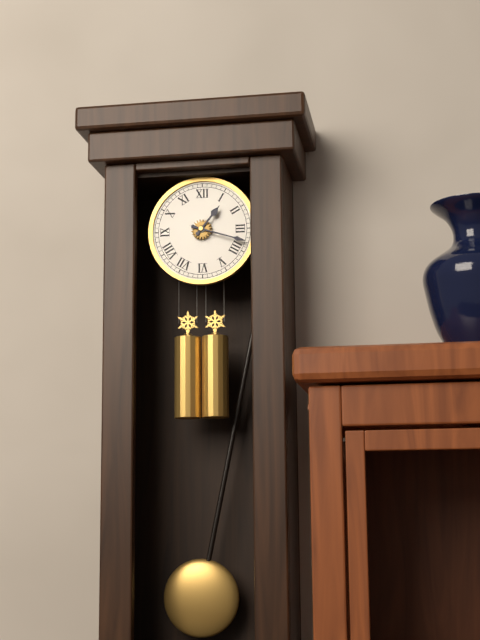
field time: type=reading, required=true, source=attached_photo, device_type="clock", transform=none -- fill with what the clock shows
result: 1:18
